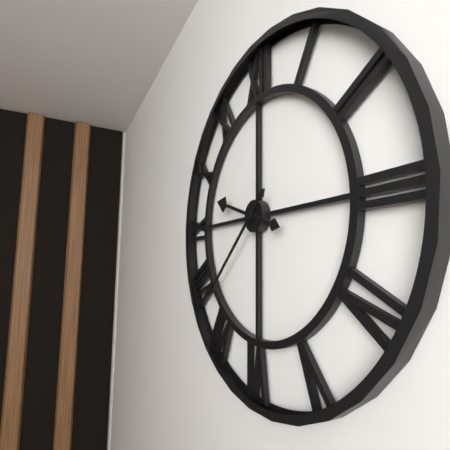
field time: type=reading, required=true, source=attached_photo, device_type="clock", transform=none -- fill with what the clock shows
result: 9:38
